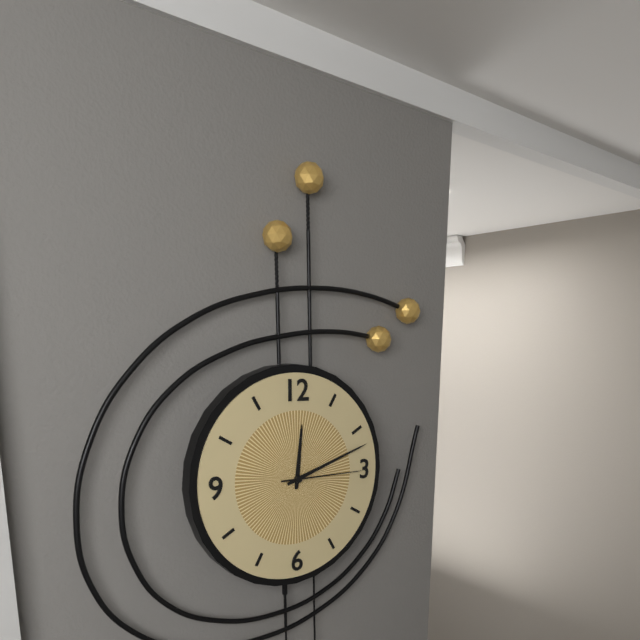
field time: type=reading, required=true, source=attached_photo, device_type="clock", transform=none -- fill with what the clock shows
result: 12:12:15
